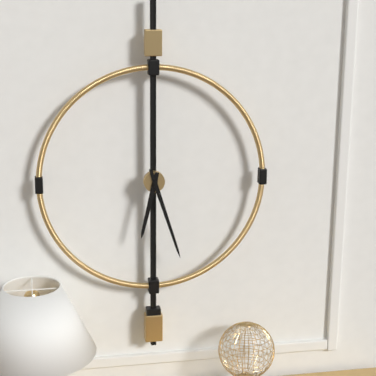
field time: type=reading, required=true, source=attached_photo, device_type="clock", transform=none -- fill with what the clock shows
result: 6:27
